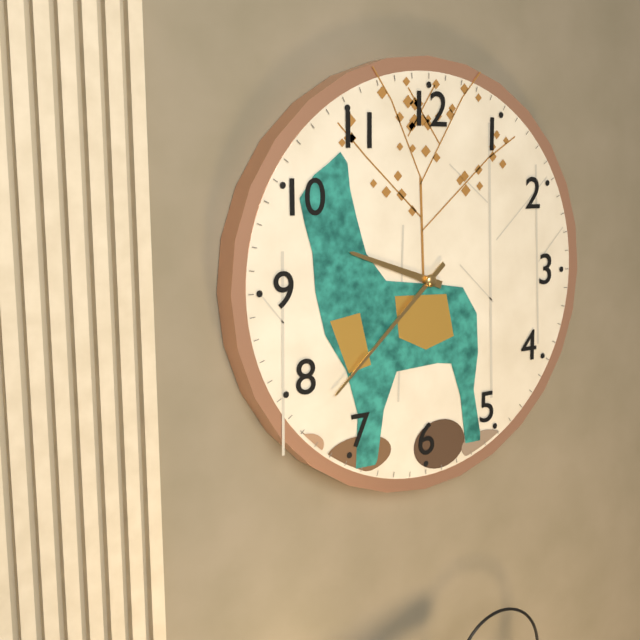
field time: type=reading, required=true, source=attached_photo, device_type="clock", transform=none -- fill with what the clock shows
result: 9:38
